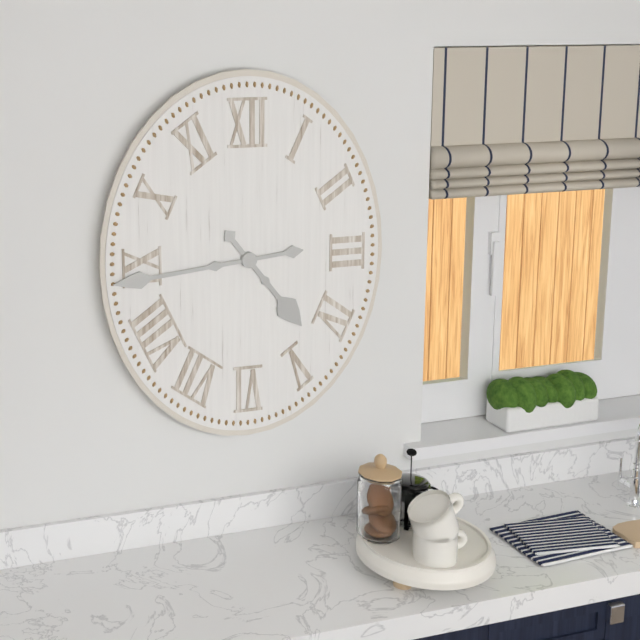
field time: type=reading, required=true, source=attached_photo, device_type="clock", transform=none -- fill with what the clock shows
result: 4:44
